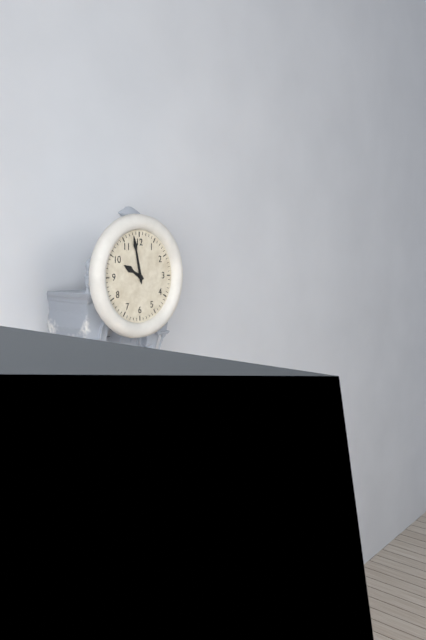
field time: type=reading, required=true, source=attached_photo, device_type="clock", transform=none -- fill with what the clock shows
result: 9:58
